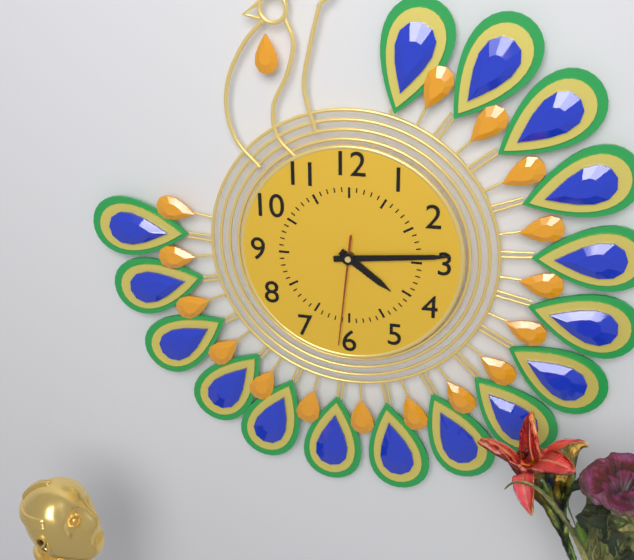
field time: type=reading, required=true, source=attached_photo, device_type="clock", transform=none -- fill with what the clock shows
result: 4:14:31
